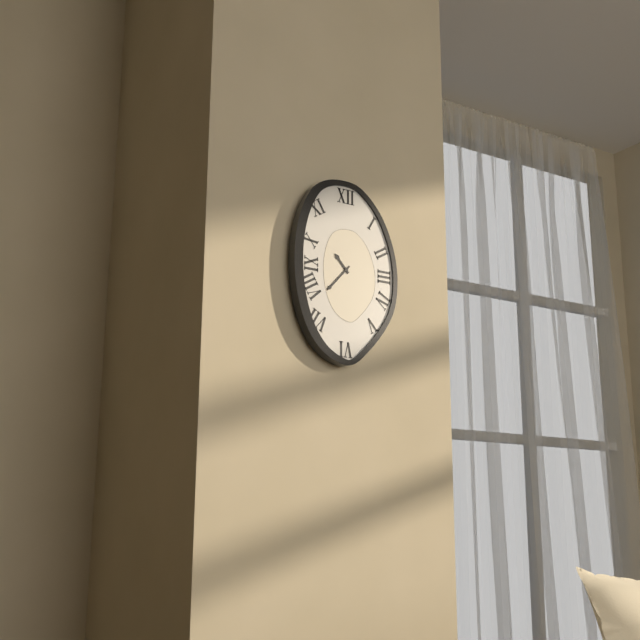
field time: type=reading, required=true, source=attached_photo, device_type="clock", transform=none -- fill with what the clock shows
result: 10:37
